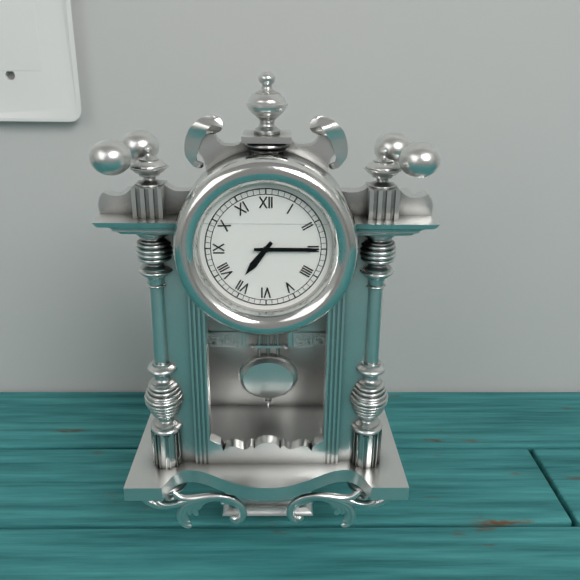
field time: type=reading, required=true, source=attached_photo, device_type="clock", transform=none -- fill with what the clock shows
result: 7:15
